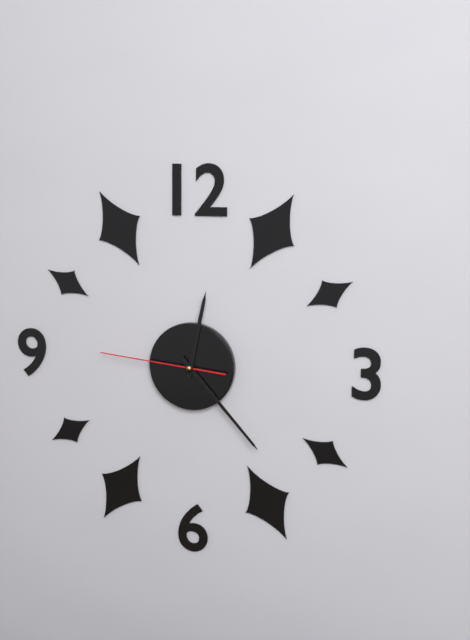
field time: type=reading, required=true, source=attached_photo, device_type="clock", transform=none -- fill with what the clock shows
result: 12:23:46
